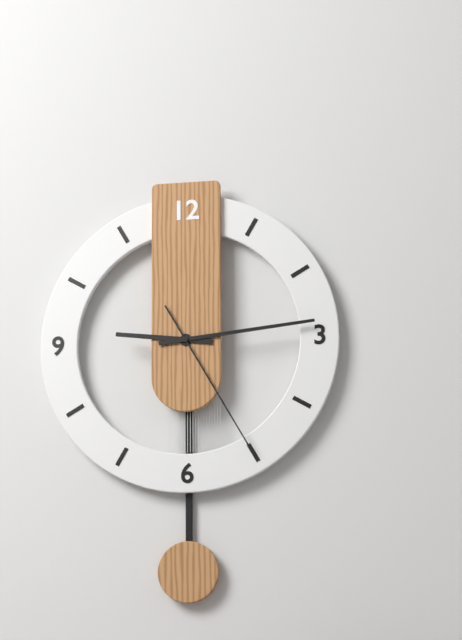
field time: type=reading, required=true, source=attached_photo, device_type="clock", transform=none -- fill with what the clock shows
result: 9:14:25
